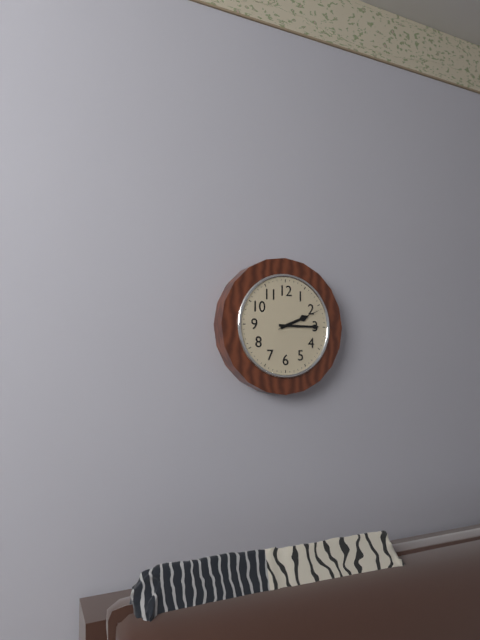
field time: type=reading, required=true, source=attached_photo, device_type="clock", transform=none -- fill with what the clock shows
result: 2:15
